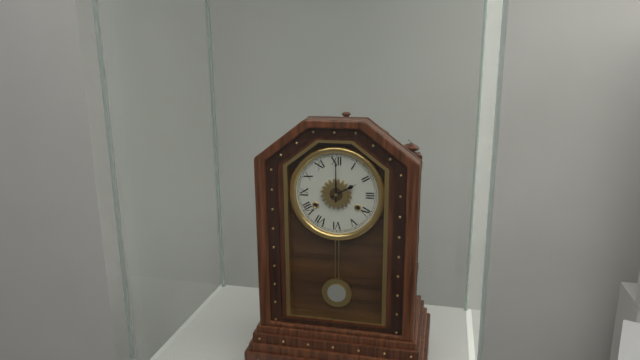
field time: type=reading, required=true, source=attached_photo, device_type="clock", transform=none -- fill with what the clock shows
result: 2:00
